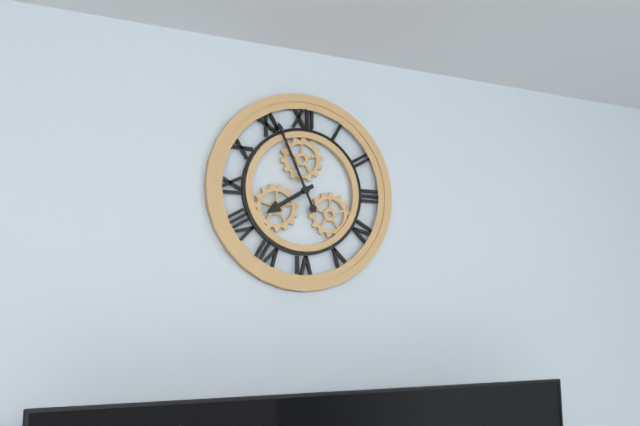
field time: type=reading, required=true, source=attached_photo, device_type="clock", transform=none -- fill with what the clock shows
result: 7:56
